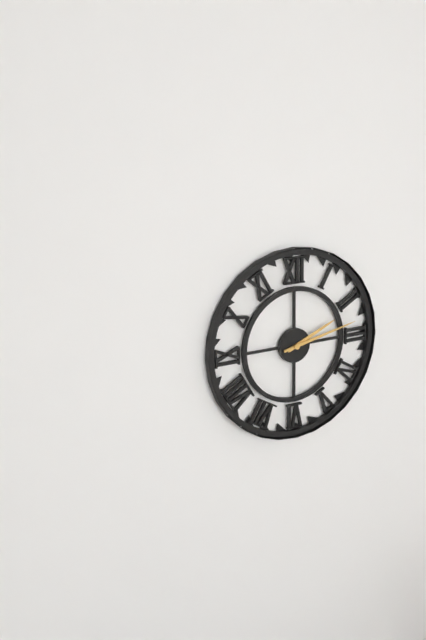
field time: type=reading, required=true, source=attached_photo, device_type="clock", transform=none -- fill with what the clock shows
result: 2:13
